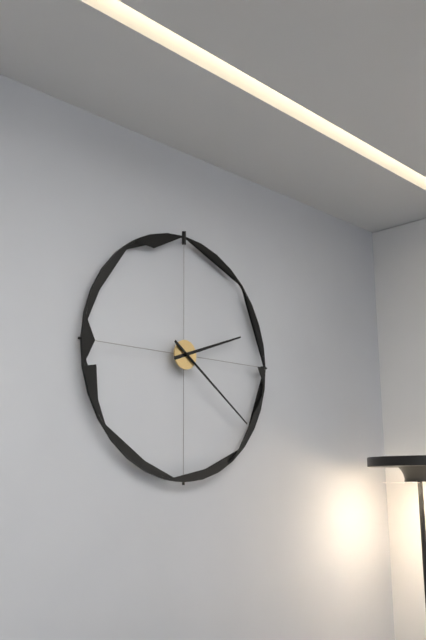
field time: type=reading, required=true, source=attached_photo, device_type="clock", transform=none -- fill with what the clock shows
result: 2:21
